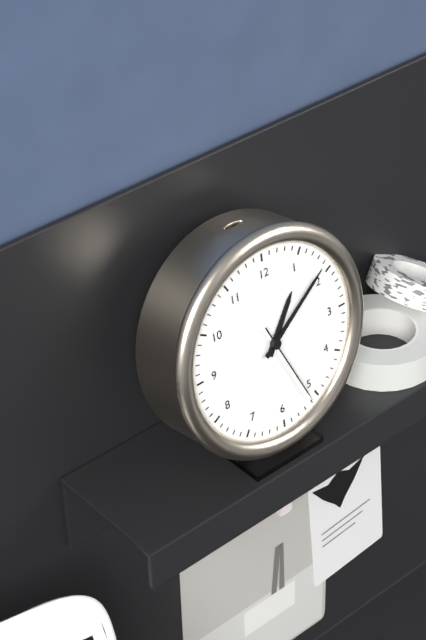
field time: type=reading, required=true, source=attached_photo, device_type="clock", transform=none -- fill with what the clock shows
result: 1:09:26
